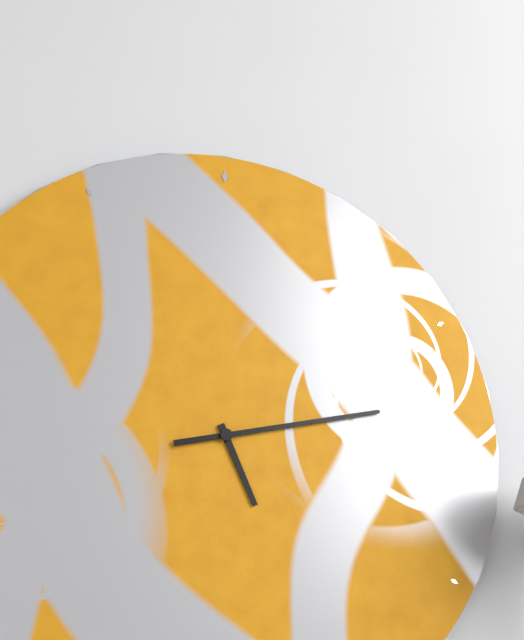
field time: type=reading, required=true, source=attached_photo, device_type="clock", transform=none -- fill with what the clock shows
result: 5:13
